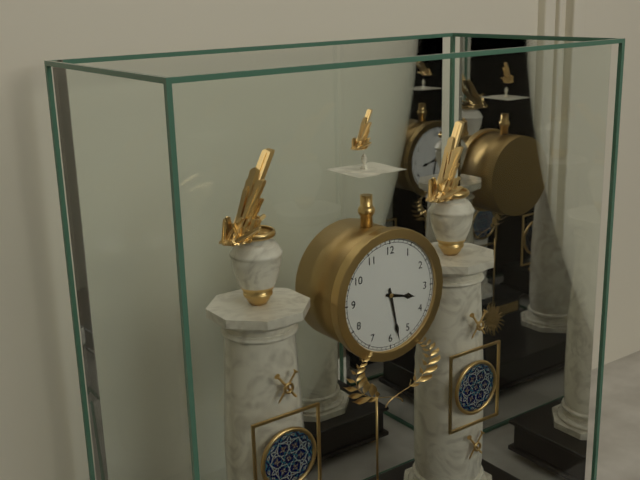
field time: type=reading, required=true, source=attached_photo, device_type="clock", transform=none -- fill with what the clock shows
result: 3:28
